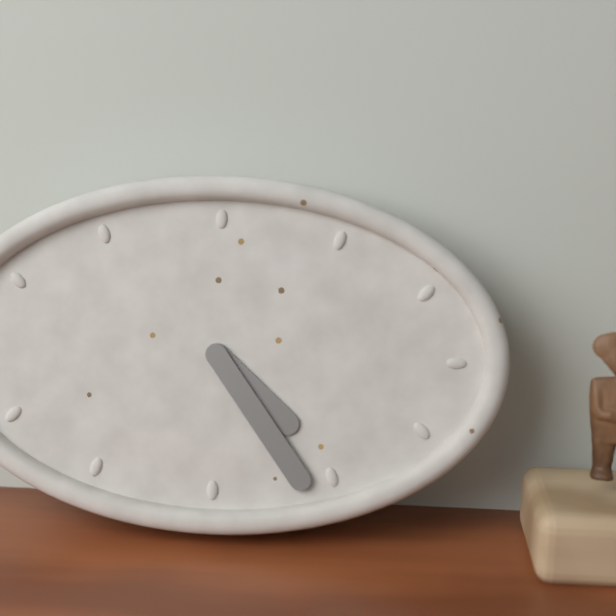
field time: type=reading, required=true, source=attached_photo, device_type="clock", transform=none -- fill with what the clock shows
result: 4:24
